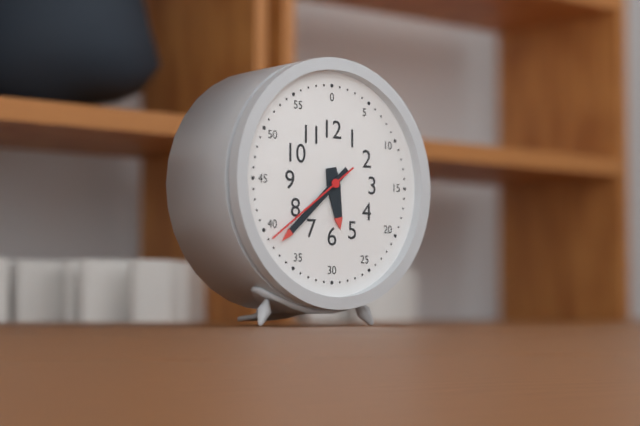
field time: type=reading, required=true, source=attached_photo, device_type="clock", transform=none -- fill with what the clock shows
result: 5:38:39
